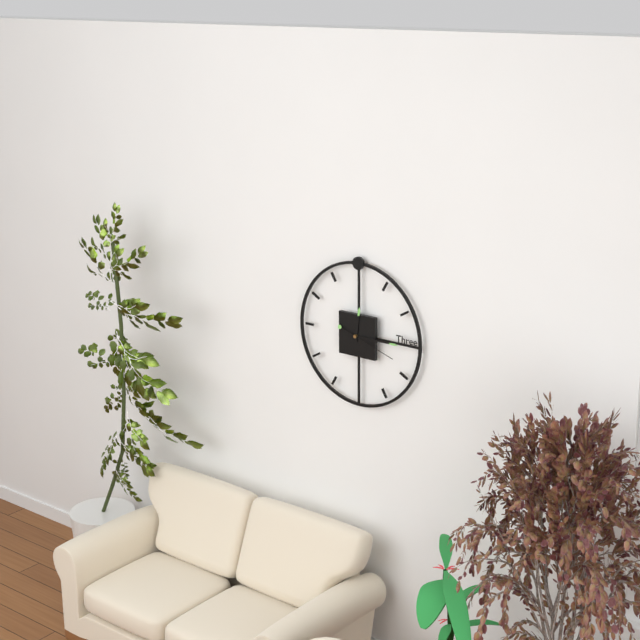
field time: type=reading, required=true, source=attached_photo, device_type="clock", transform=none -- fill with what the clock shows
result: 12:15:18
